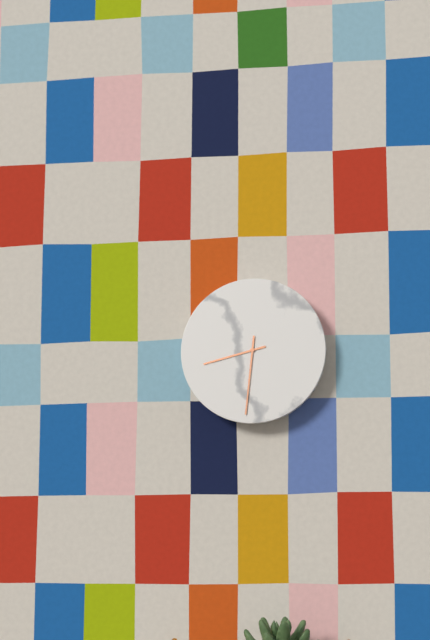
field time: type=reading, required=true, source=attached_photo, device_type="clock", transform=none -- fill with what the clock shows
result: 8:31
